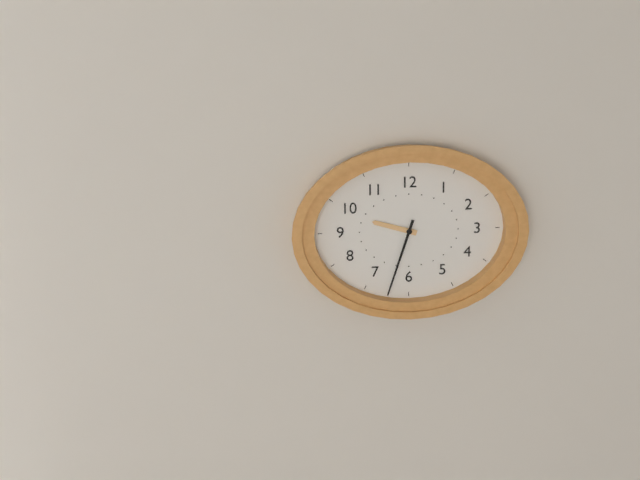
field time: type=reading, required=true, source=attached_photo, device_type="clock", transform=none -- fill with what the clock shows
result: 9:33
